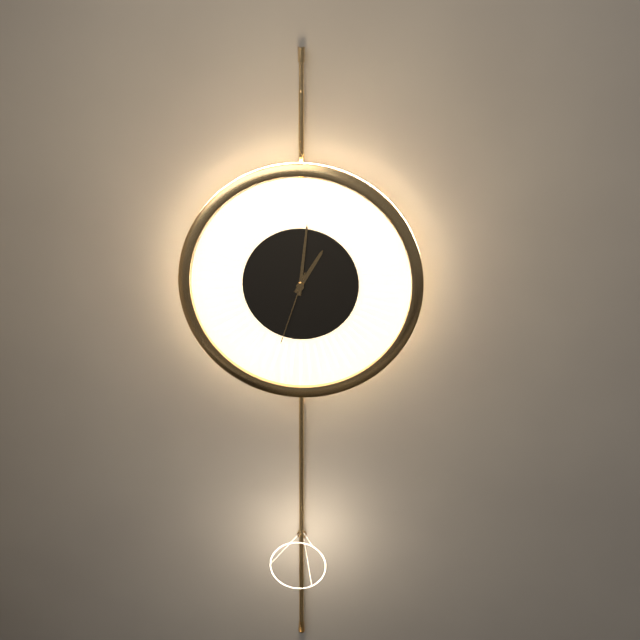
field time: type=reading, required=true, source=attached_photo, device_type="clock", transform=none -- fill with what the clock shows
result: 1:01:33
